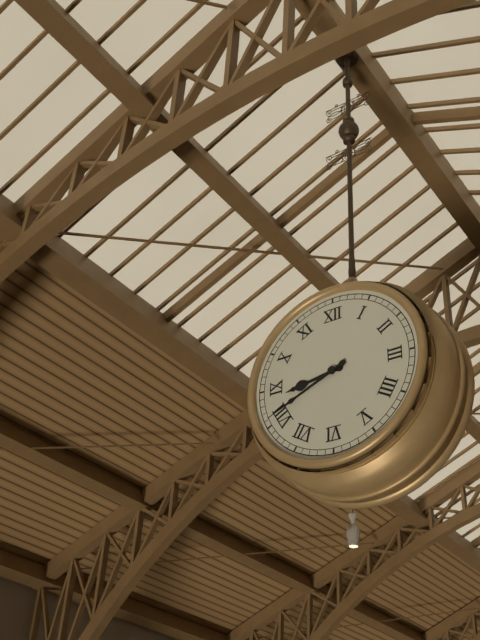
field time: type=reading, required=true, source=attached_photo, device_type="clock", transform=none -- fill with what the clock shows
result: 8:41
